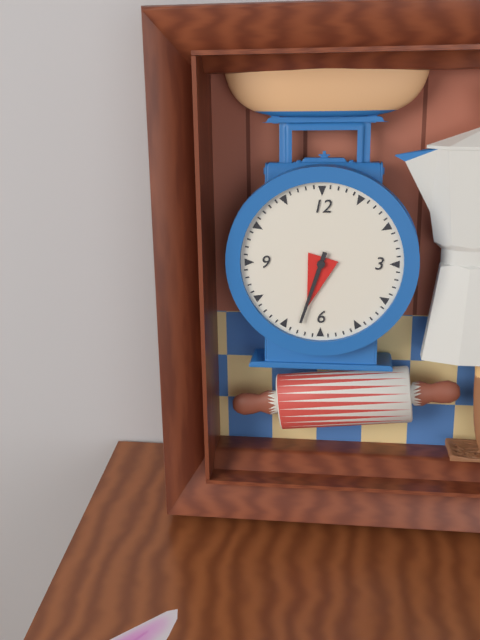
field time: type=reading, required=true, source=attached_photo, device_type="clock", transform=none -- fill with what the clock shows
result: 6:33
